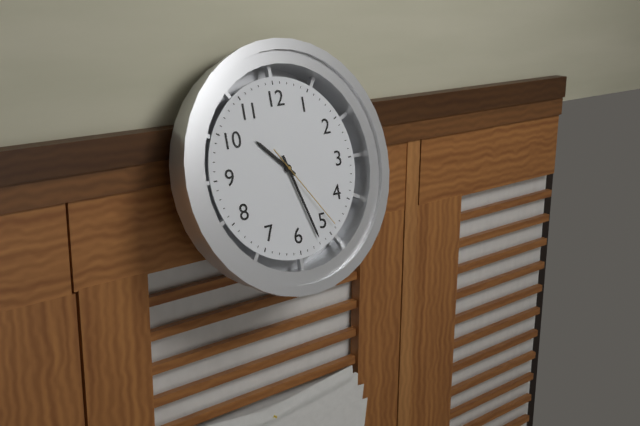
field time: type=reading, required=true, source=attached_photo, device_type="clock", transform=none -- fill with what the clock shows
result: 10:27:24
